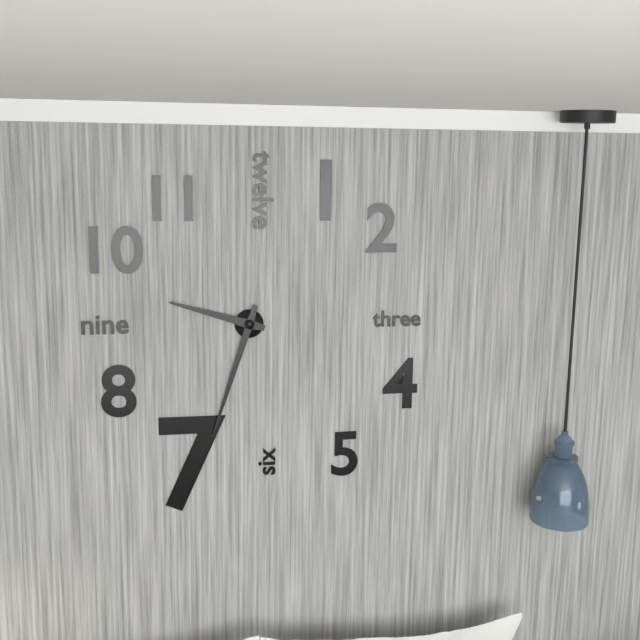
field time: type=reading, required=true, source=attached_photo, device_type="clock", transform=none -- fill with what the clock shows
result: 9:33
